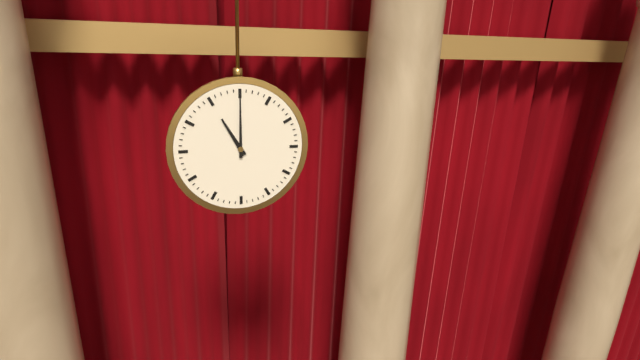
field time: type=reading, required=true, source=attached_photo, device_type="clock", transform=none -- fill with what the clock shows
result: 11:00
